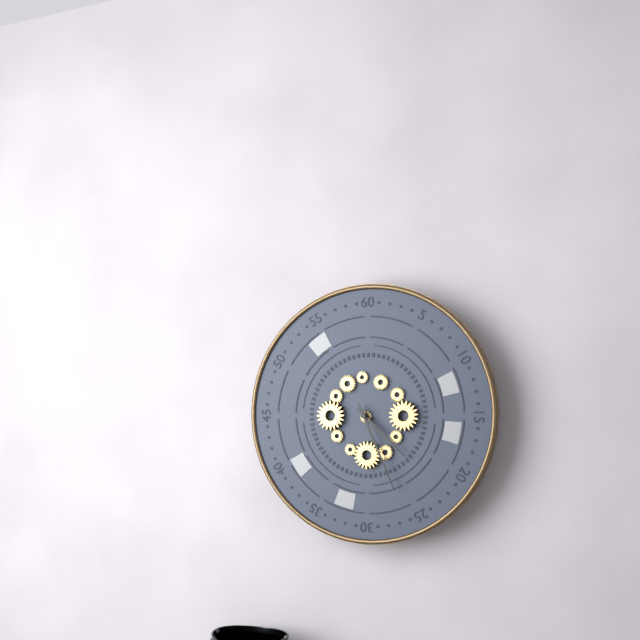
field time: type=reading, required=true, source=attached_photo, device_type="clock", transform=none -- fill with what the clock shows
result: 4:26
